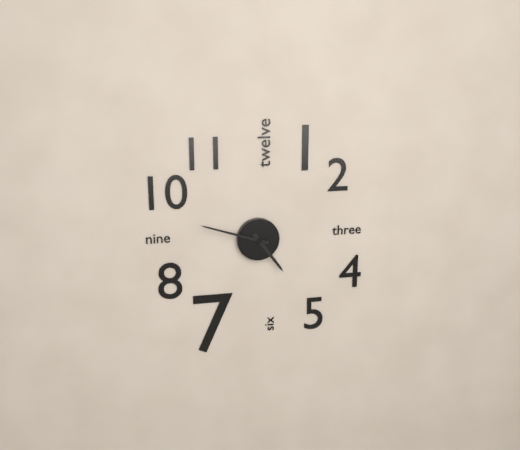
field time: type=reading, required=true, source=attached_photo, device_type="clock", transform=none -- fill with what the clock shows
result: 4:48
